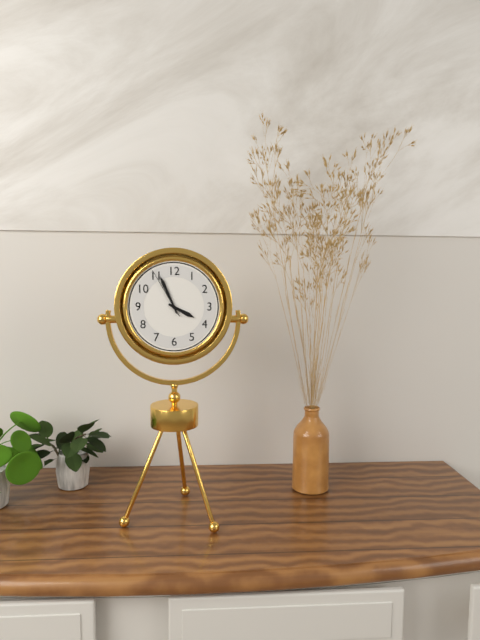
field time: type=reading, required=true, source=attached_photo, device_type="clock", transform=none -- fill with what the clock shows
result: 3:56:55
